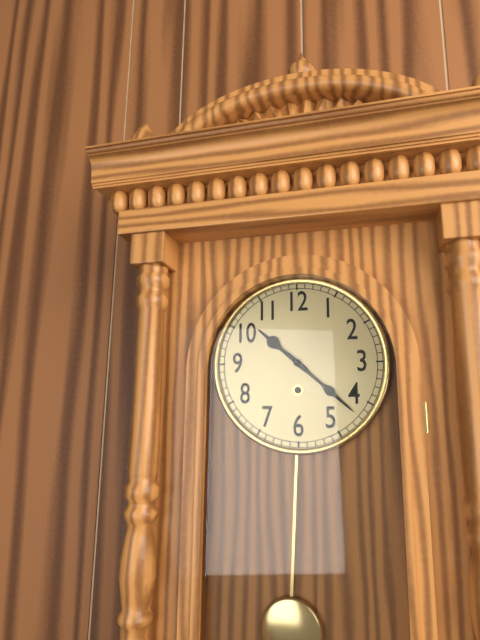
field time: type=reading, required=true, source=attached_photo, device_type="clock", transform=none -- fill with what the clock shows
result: 10:22
